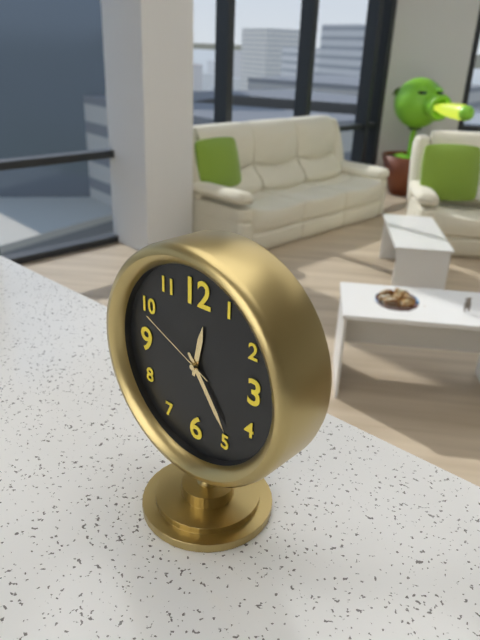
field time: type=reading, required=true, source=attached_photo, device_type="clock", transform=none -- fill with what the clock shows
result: 12:24:49
